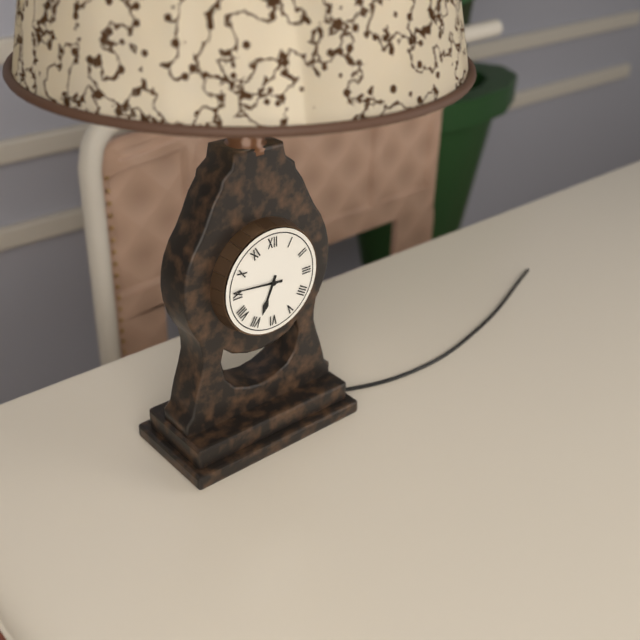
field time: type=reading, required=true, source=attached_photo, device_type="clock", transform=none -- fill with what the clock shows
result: 6:46
